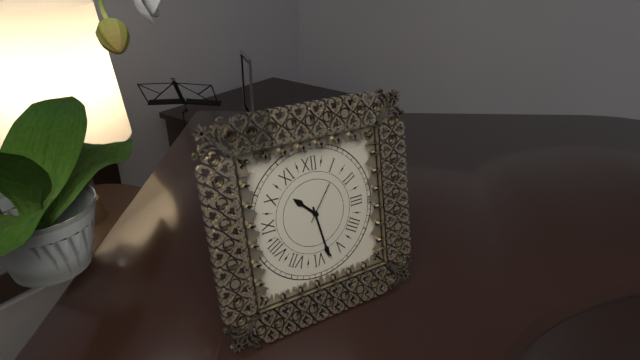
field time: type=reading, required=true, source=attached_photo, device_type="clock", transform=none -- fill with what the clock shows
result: 10:28
